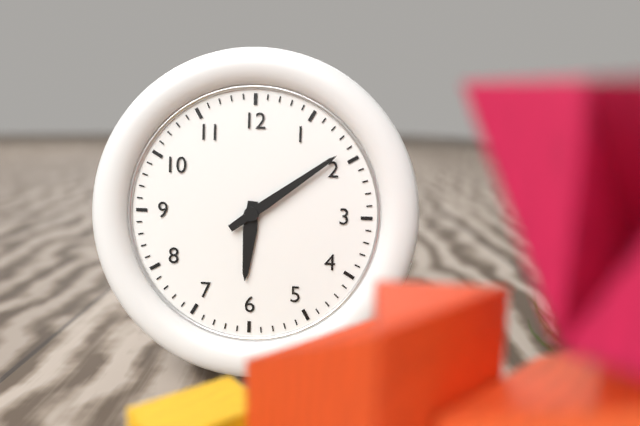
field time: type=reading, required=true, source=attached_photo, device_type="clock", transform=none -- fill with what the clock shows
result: 6:09
